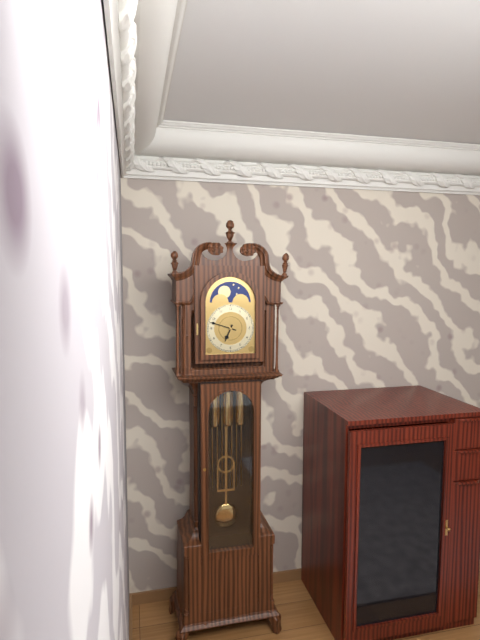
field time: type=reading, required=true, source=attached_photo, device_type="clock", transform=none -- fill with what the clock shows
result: 6:48
